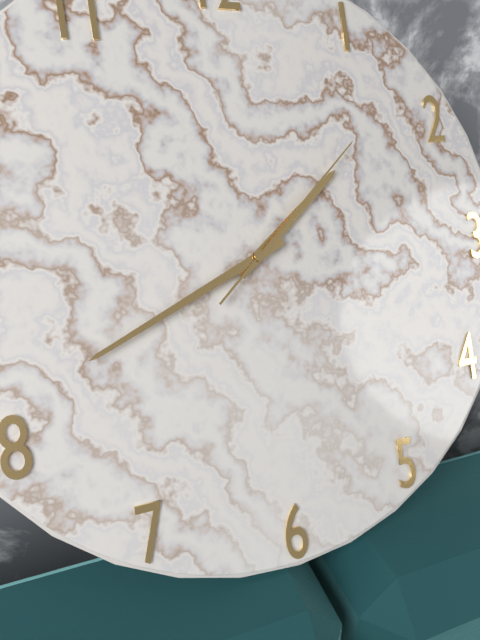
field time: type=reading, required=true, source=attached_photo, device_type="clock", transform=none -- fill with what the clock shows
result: 1:41:08
